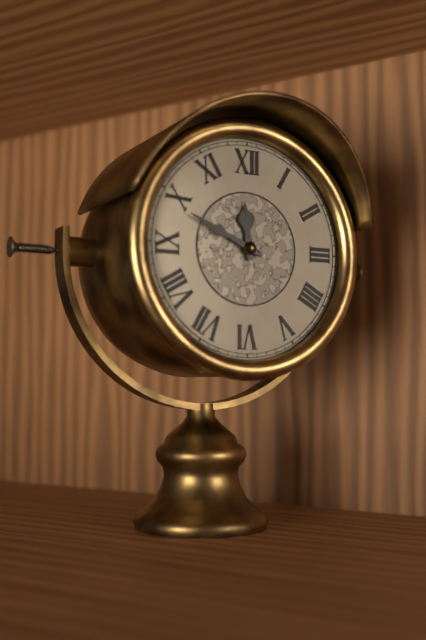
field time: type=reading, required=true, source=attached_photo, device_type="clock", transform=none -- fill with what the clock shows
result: 11:49
